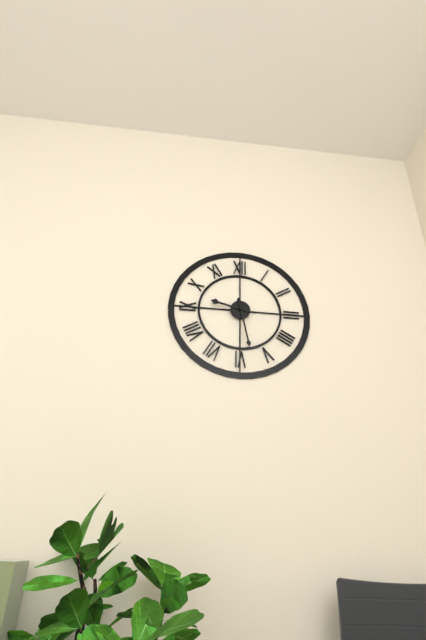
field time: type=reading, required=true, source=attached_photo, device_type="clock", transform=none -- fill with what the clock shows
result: 9:28
